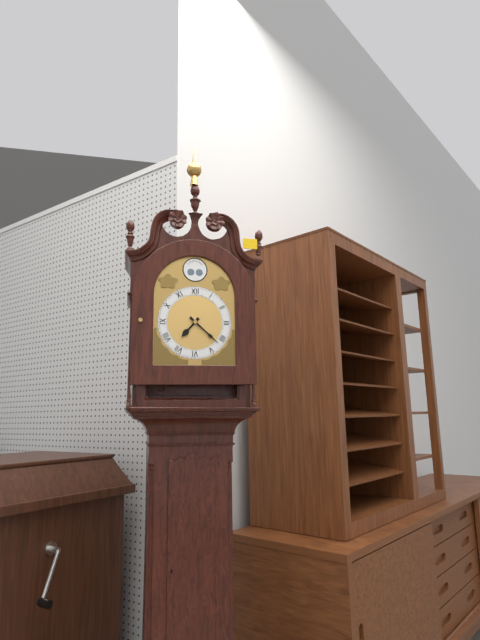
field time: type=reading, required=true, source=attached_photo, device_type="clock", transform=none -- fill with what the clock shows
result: 7:22
